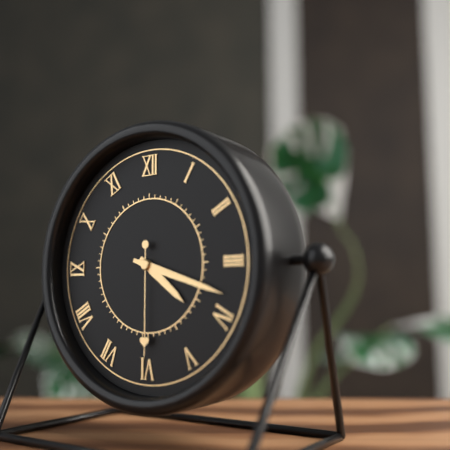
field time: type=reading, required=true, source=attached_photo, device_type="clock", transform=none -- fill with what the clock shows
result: 4:18:30
